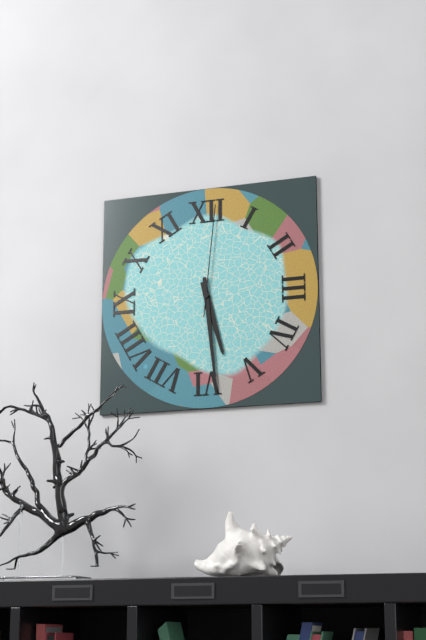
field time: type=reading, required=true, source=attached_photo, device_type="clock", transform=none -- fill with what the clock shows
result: 5:29:01
